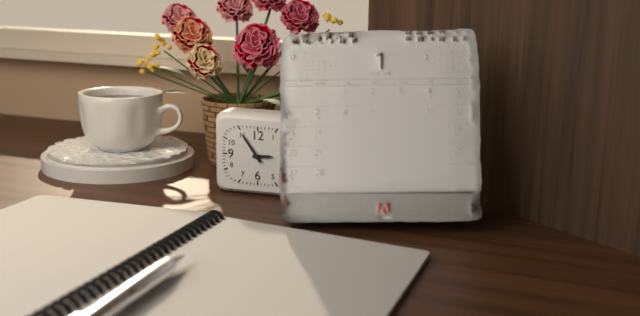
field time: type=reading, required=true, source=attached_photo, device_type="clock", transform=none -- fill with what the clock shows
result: 2:54
